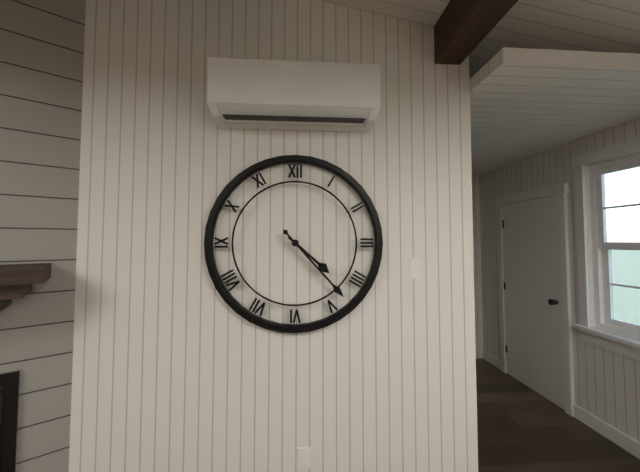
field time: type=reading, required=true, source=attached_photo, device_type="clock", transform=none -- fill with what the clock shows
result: 4:23
